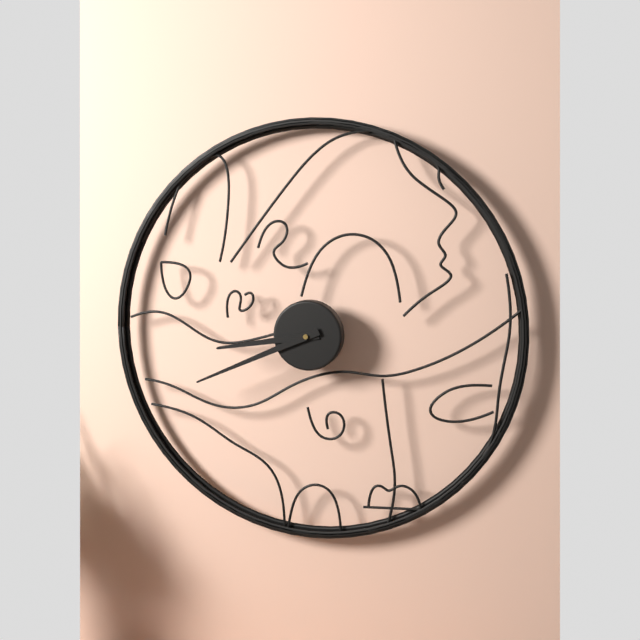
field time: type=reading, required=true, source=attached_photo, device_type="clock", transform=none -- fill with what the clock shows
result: 8:41
